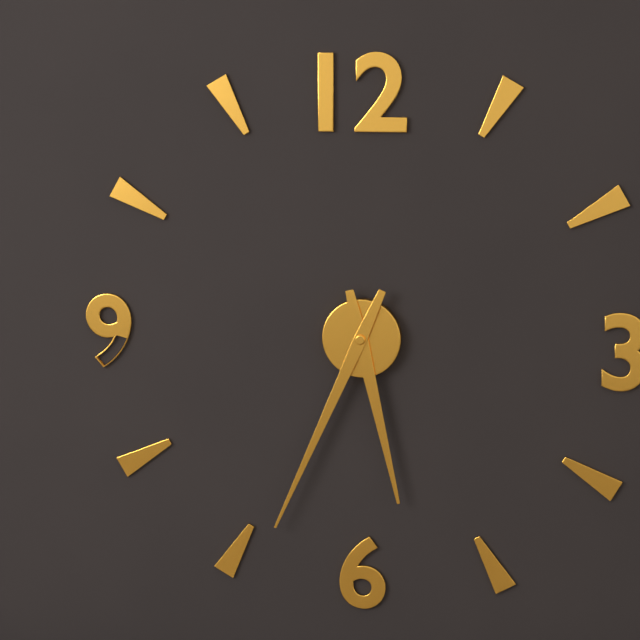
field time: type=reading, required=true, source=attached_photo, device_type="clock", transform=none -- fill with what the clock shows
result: 5:34
